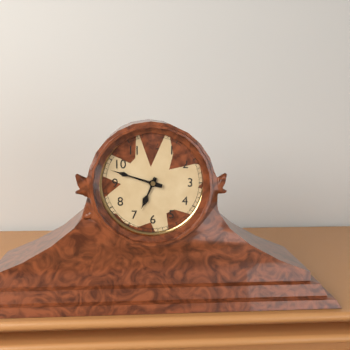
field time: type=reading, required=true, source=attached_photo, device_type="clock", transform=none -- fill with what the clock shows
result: 6:48
